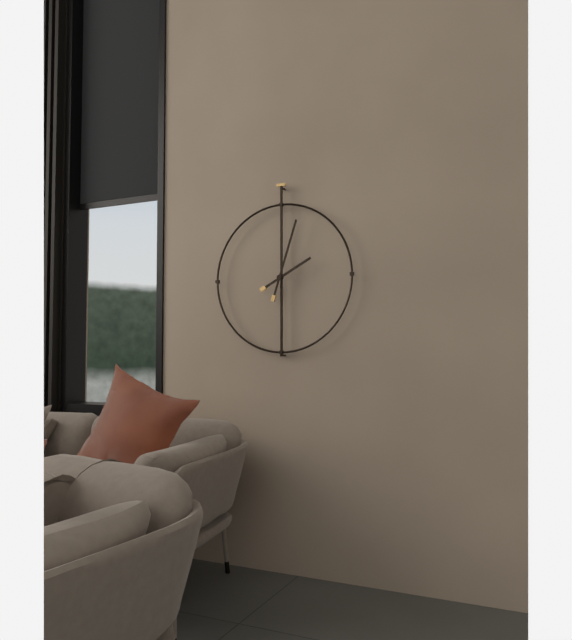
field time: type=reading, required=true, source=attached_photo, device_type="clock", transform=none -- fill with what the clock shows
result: 2:03
